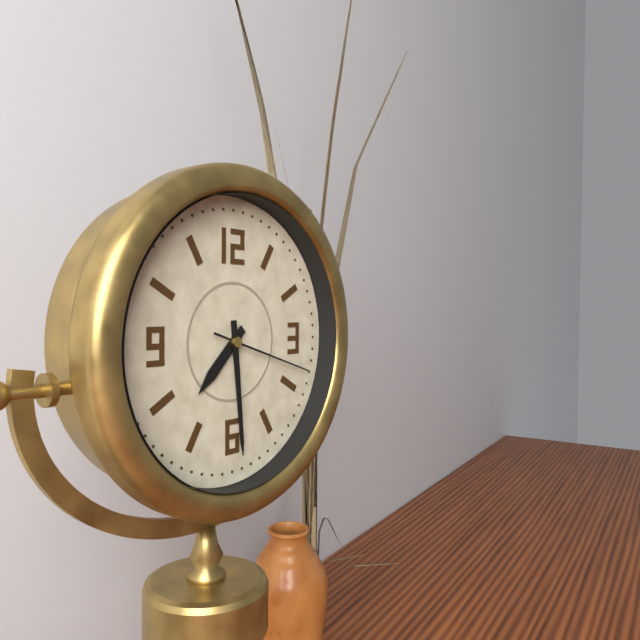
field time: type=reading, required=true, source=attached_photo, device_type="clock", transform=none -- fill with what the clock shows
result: 7:29:18
